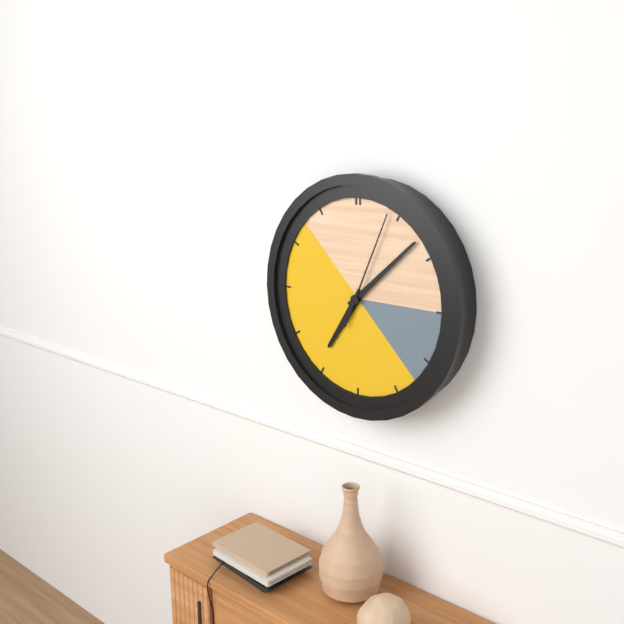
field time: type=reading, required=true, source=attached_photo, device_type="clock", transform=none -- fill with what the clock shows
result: 7:08:04
